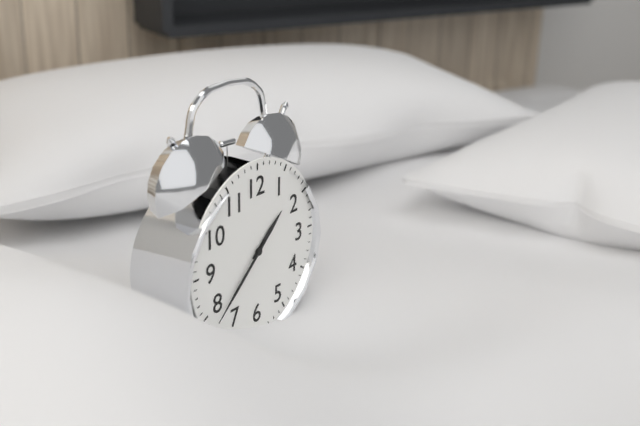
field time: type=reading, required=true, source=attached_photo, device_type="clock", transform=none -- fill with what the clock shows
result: 1:38
